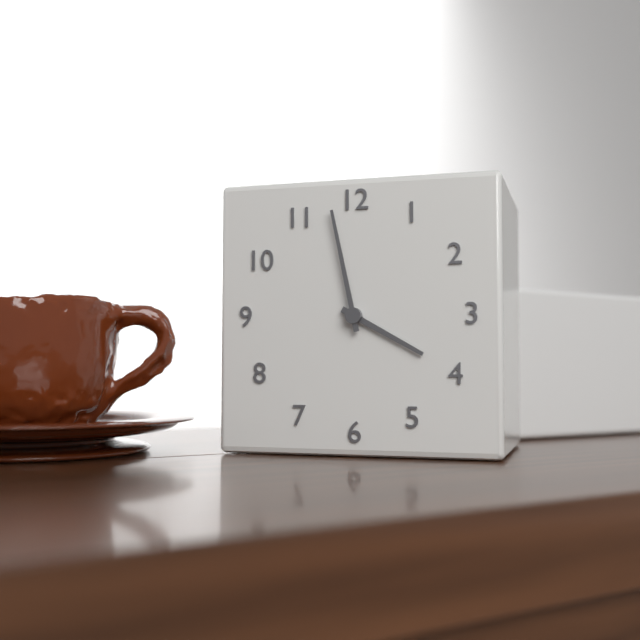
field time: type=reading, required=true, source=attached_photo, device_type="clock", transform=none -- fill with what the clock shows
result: 3:58
